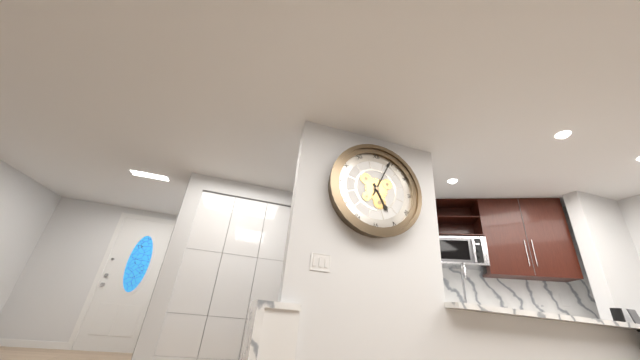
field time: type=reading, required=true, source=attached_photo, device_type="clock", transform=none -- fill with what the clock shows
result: 5:04
